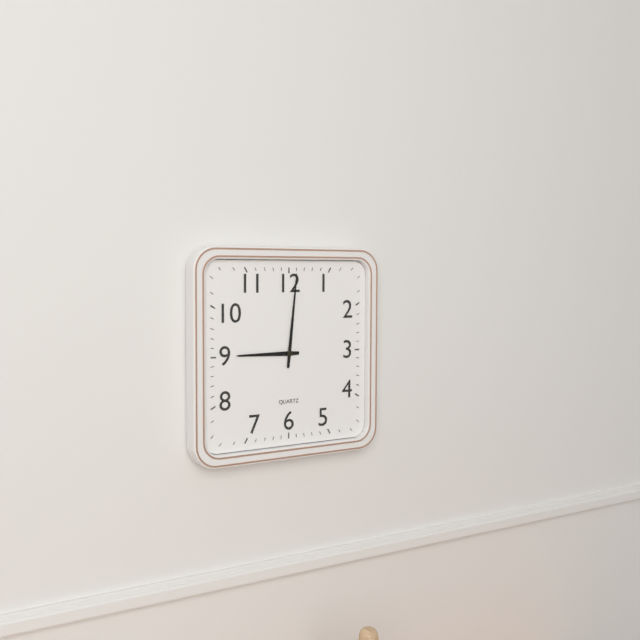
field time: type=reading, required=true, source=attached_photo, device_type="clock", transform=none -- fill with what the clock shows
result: 9:01
